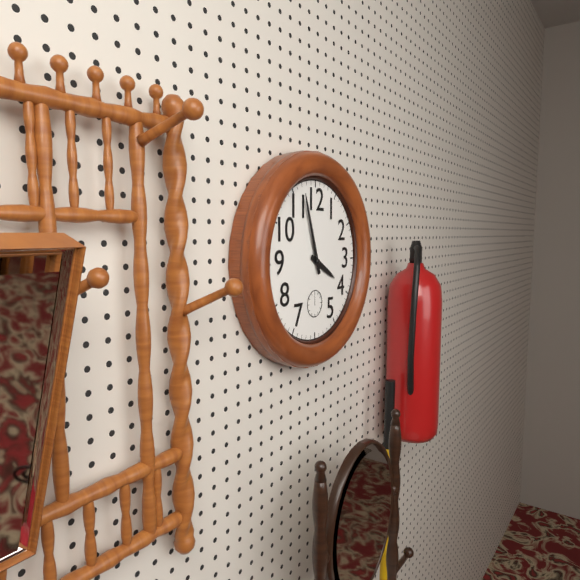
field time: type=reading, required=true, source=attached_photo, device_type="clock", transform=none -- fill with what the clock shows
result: 3:57
